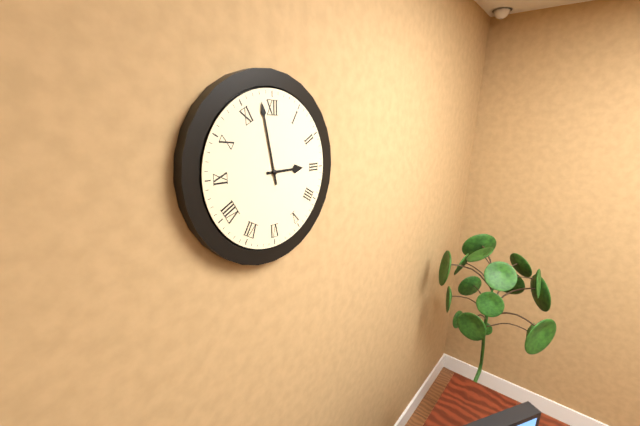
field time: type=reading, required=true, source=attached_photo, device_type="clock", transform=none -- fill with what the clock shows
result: 2:58
